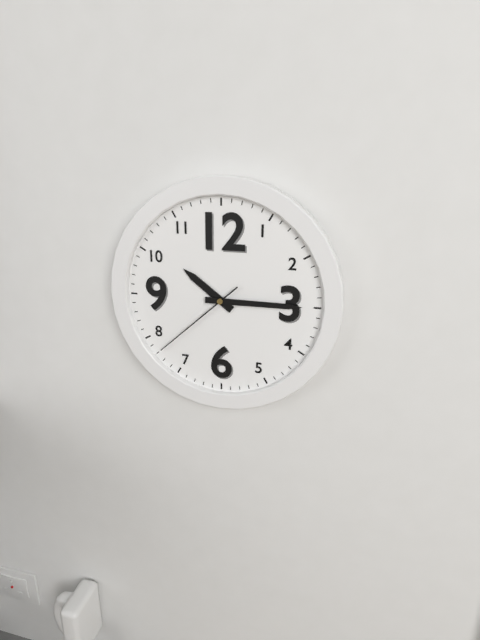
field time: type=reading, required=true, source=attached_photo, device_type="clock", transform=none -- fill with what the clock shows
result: 10:15:38
